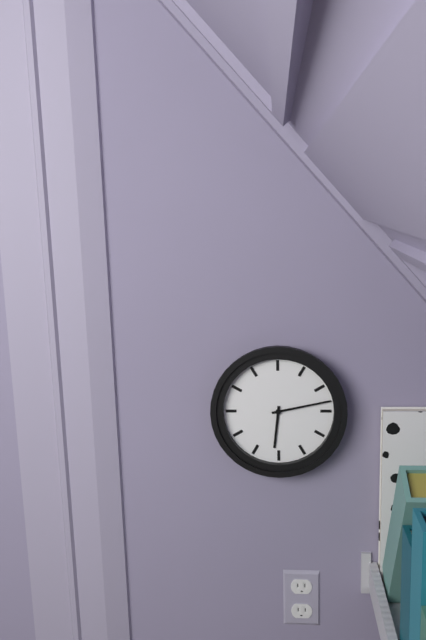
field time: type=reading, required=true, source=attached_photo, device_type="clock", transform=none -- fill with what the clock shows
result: 6:13
